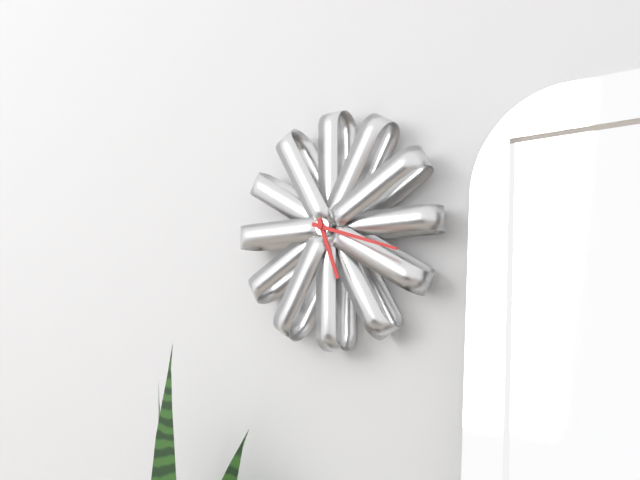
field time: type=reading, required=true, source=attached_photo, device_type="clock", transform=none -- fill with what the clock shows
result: 5:18
